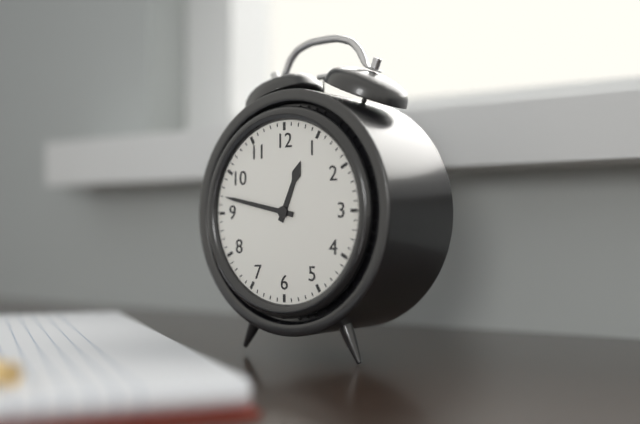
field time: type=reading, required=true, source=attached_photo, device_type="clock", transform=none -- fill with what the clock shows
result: 12:47
